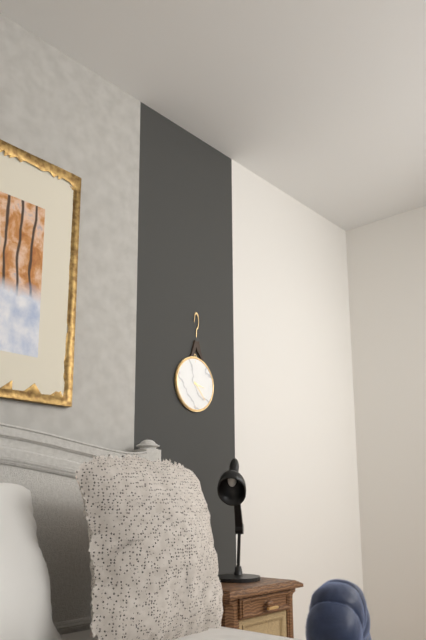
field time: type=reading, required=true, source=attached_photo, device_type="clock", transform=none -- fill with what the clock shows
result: 3:23
